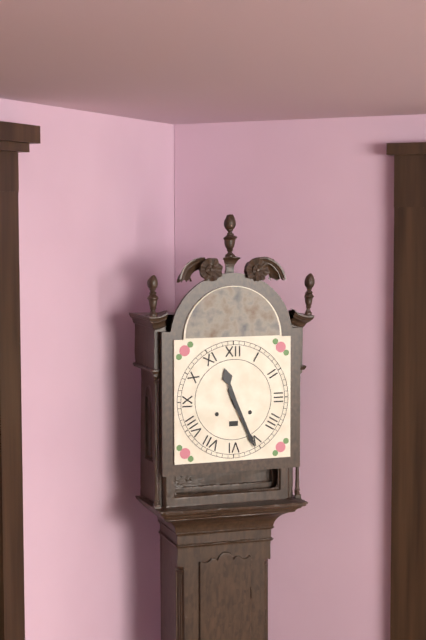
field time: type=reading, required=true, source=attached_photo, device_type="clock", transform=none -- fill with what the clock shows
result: 11:26
